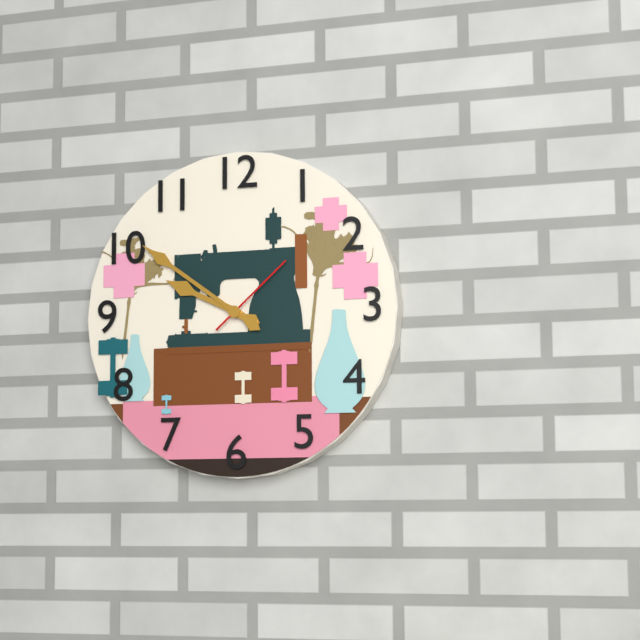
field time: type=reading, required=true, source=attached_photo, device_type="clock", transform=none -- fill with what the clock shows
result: 9:51:08
